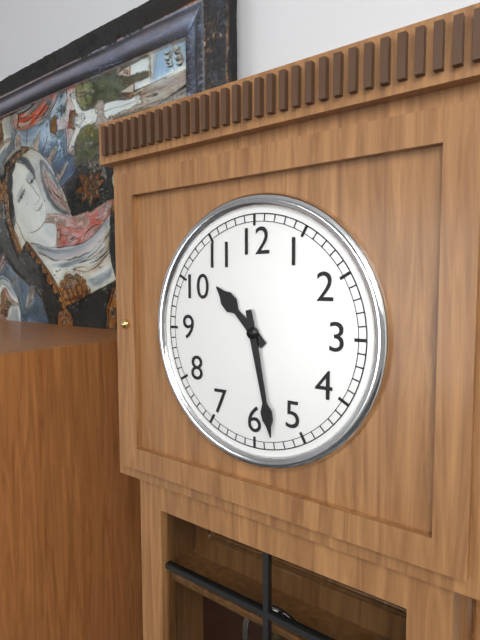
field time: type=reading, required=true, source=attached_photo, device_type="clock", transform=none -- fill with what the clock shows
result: 10:28
